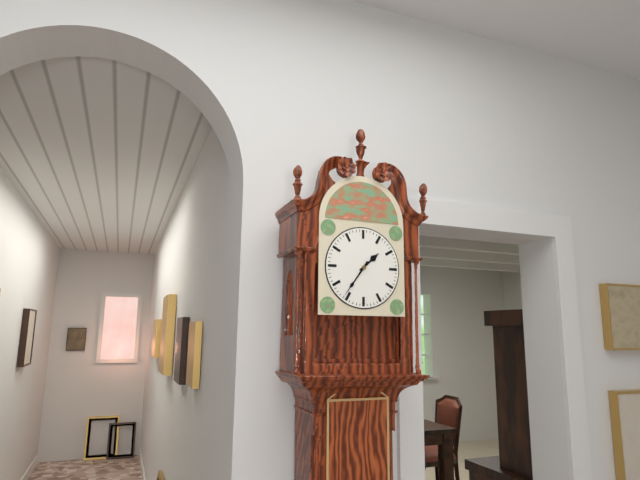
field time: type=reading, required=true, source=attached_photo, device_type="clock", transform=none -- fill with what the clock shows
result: 1:36
